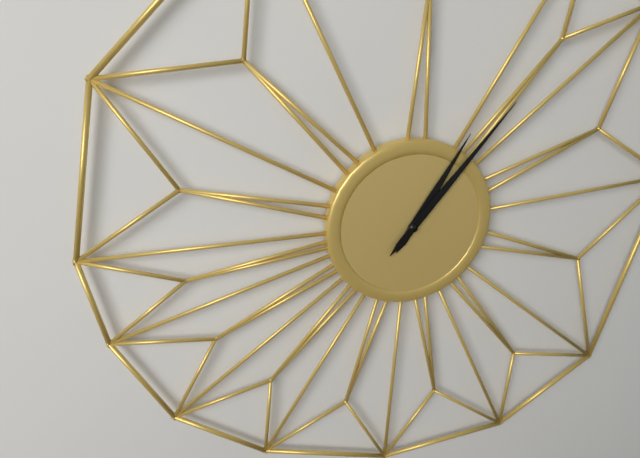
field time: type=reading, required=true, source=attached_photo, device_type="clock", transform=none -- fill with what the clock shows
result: 1:07
